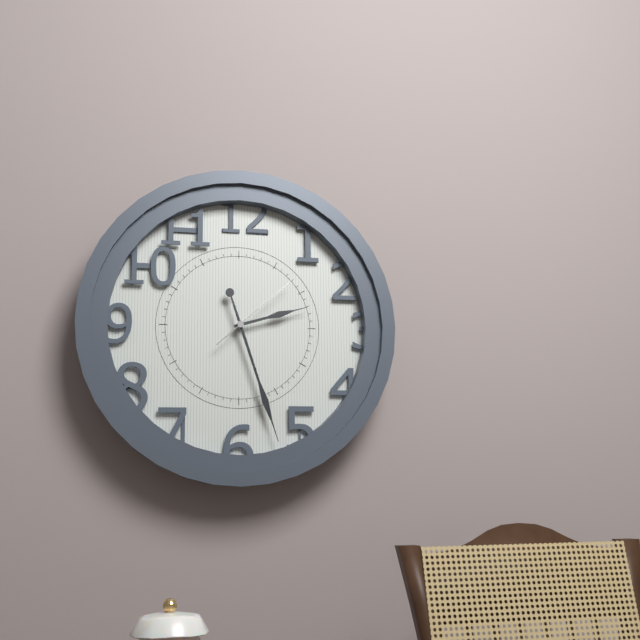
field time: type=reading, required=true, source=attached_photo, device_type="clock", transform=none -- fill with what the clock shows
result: 2:27:08
